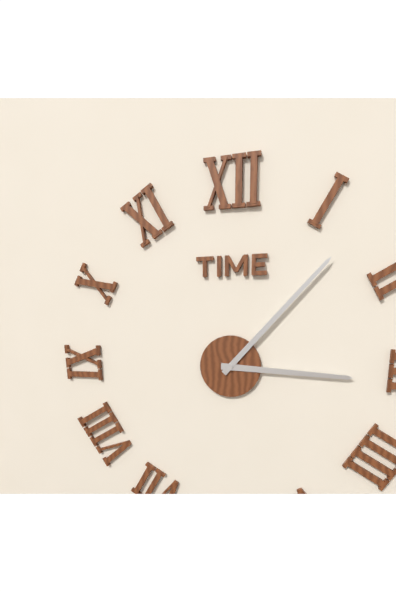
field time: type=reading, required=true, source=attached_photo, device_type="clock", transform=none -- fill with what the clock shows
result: 3:07
